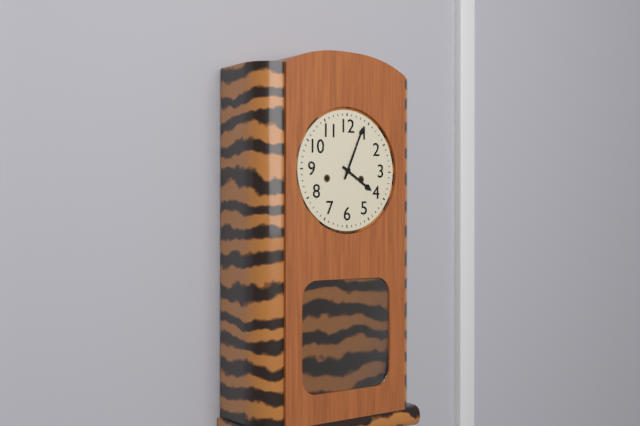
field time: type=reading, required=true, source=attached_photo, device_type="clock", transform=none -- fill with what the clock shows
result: 4:04
